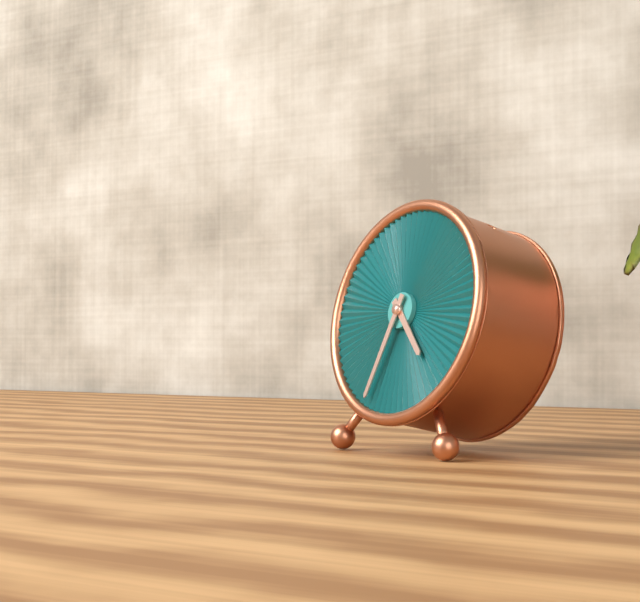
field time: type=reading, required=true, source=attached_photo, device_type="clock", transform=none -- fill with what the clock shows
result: 4:33
